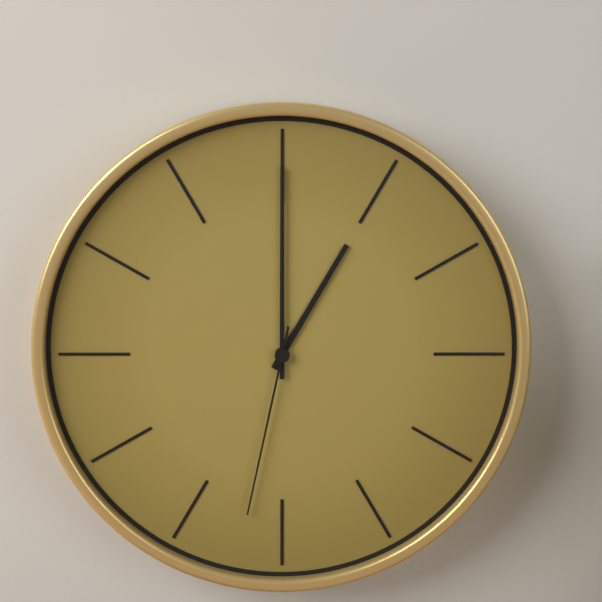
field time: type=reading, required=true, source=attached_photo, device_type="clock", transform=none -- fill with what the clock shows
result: 1:00:32
